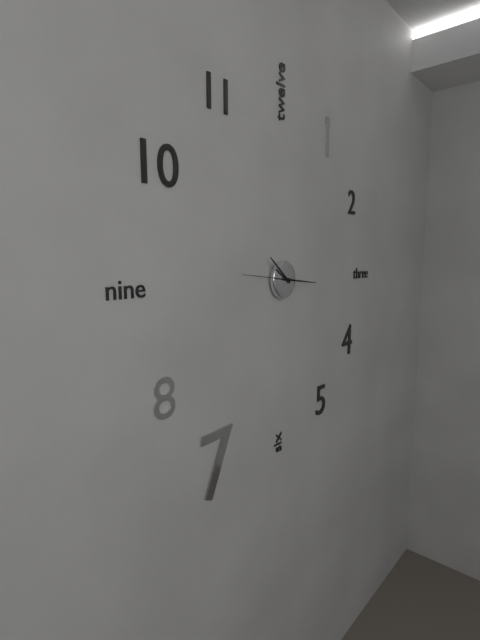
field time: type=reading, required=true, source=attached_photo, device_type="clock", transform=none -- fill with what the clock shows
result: 10:16
